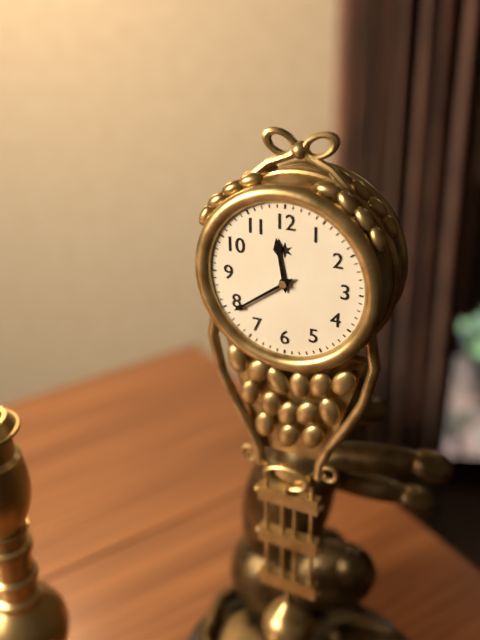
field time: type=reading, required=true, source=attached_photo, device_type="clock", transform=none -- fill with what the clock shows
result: 11:39
